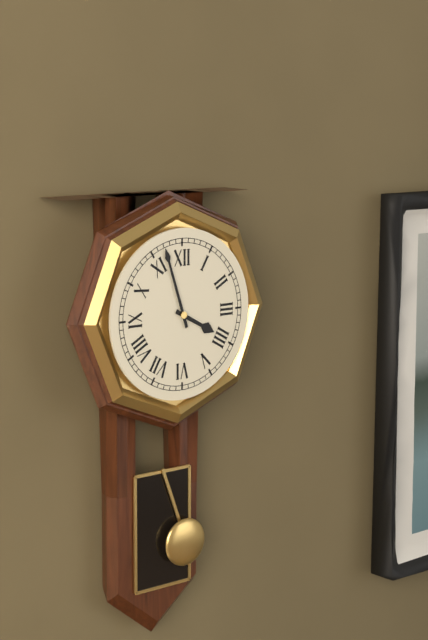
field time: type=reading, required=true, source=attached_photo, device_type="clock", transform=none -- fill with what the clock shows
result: 3:57
